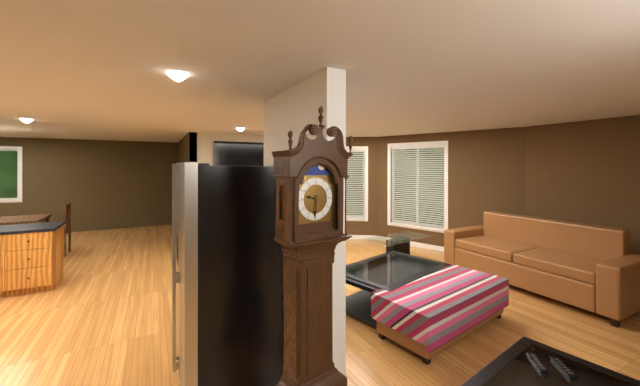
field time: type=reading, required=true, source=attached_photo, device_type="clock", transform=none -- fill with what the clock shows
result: 9:31
